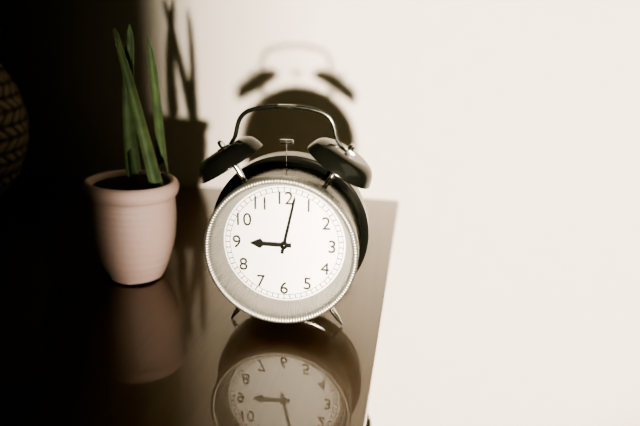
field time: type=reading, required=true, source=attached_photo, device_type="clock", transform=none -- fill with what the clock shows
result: 9:02
